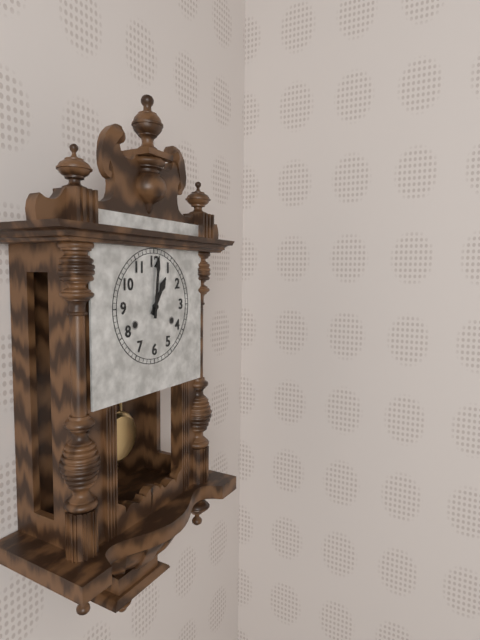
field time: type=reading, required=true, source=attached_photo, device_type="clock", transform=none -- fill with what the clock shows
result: 1:01
